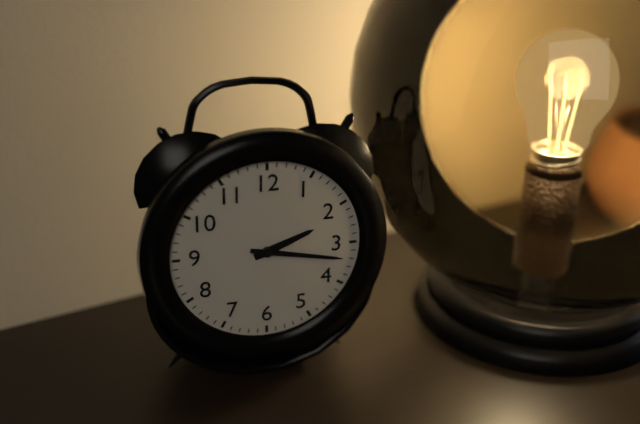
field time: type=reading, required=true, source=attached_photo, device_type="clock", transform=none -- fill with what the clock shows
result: 2:17
